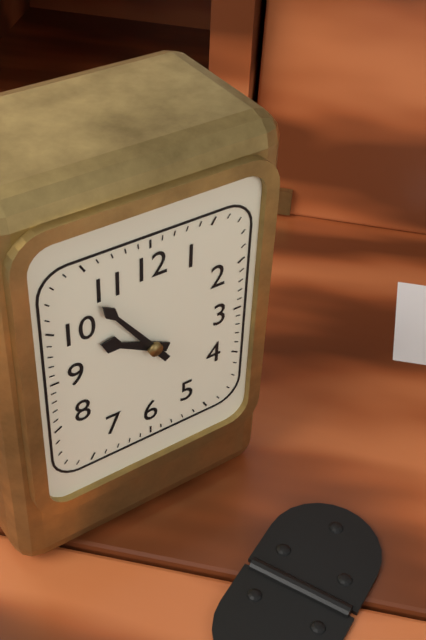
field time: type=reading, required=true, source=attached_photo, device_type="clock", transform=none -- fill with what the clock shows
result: 9:54
